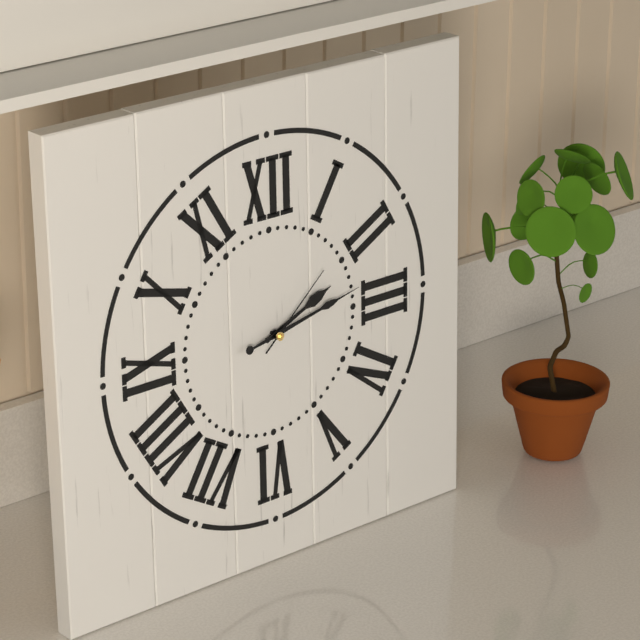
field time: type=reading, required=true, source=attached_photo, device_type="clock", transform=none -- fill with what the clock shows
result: 2:13:08
